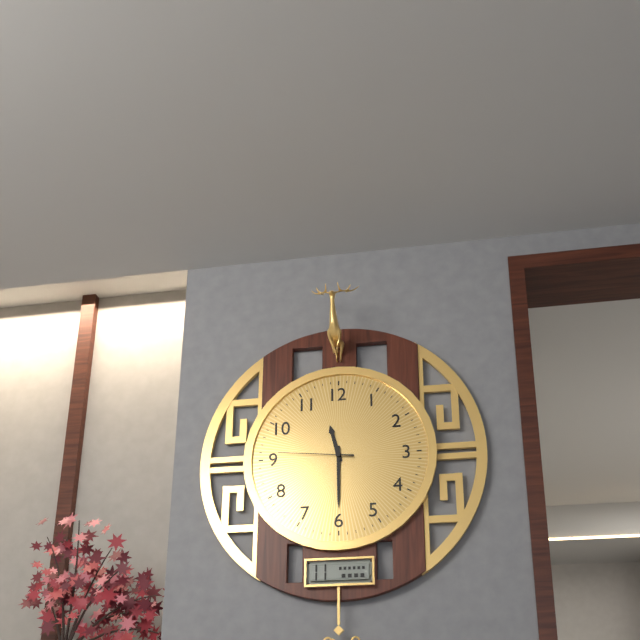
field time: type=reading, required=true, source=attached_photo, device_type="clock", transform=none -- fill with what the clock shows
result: 11:30:46
